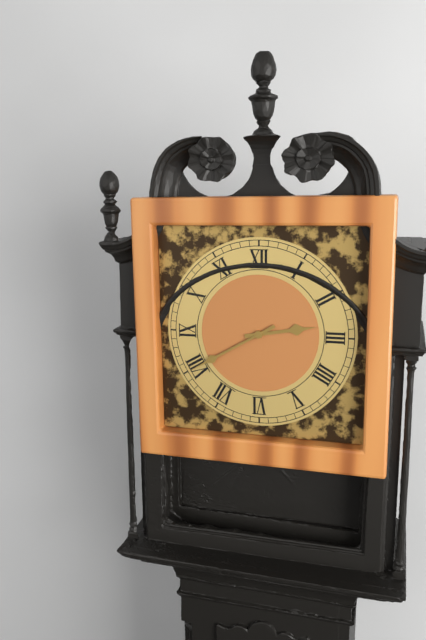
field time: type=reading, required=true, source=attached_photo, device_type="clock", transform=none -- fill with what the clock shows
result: 2:40
